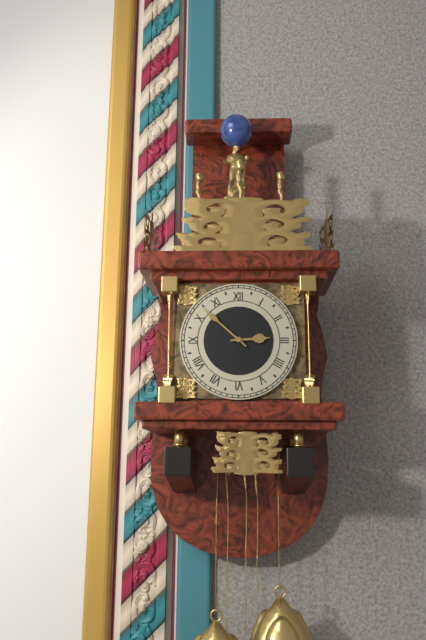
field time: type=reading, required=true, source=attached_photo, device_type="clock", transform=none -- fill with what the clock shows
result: 2:52
